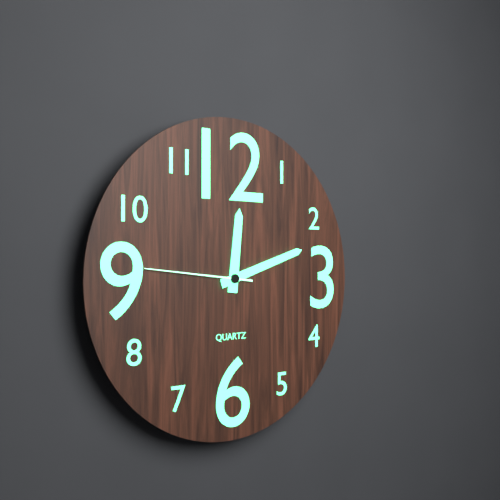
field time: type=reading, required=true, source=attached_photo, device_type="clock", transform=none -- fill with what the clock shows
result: 12:12:46
